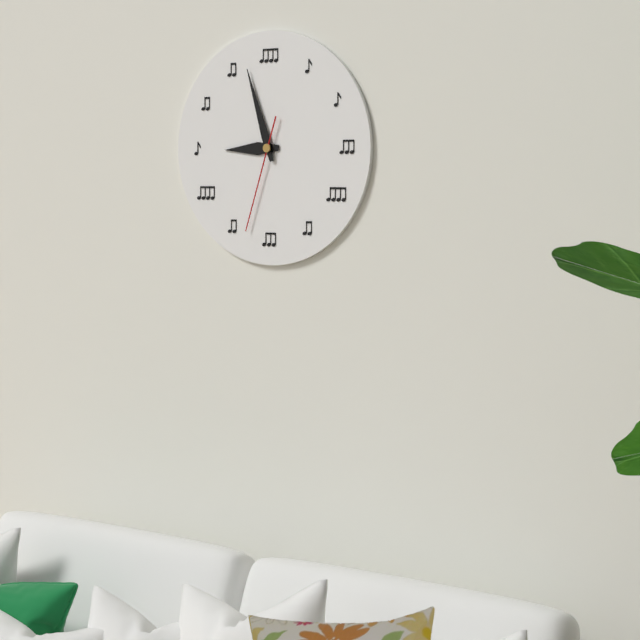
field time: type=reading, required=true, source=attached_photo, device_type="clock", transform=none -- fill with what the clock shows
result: 8:57:33
